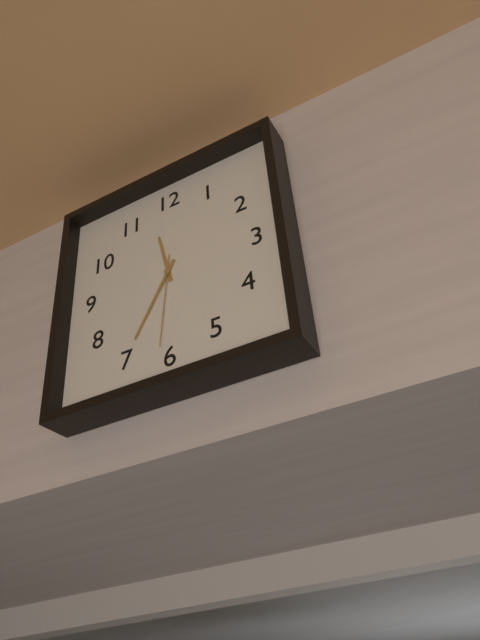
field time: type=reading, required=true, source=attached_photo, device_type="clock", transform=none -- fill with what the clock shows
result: 11:35:31
